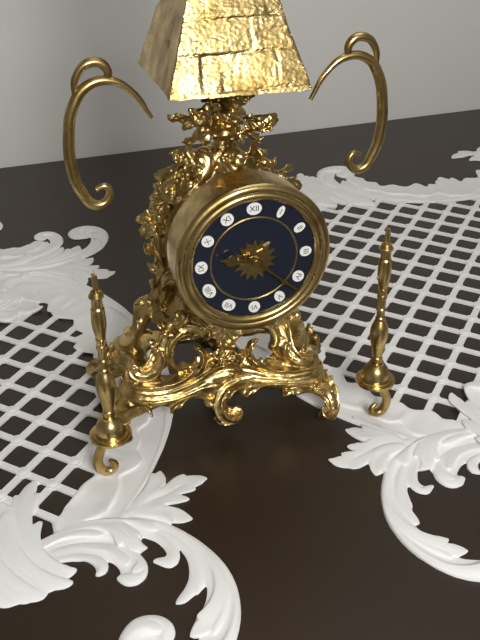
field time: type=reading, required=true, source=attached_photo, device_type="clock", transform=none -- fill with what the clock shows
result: 9:22
